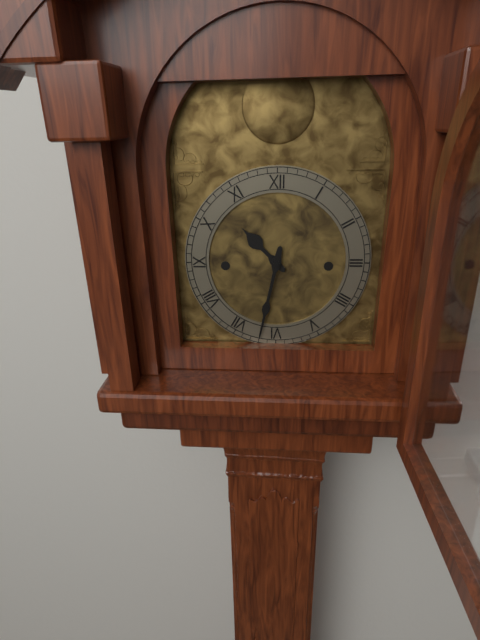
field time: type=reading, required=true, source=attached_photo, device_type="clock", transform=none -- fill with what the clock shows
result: 10:32
